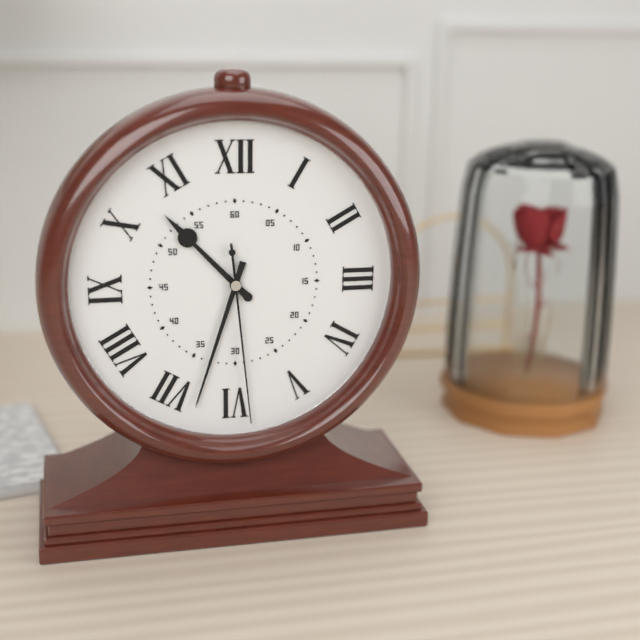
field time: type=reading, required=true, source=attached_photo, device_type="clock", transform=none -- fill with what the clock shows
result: 10:33:29
